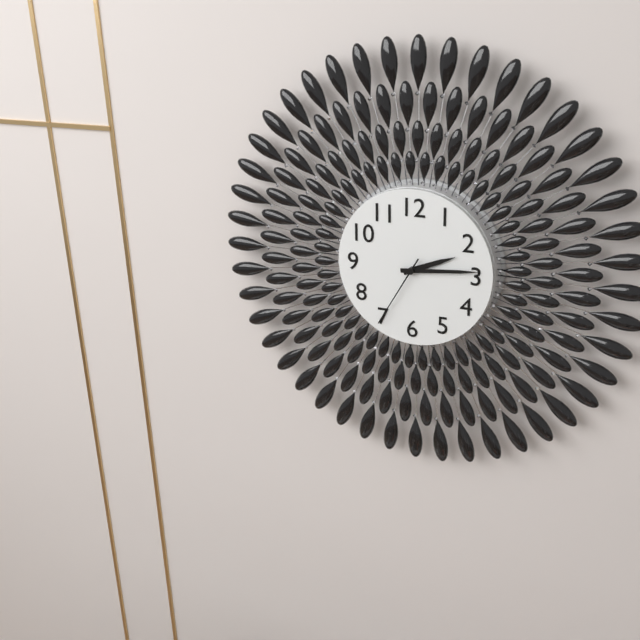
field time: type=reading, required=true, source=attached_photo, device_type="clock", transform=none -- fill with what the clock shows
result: 2:14:35
